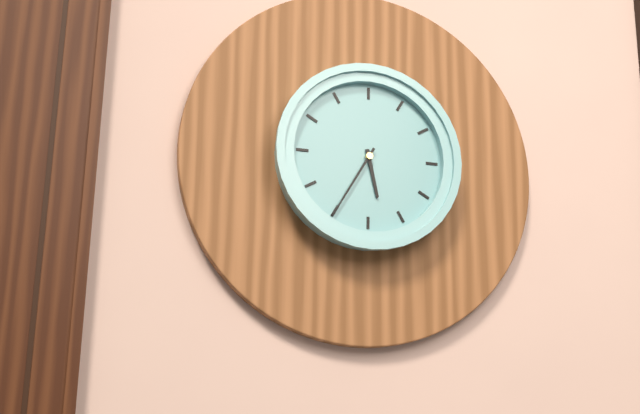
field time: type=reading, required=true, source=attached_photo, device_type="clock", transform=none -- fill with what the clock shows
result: 5:35
